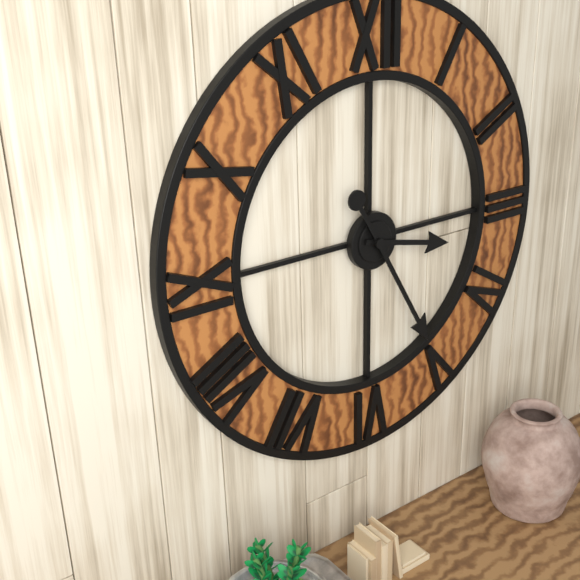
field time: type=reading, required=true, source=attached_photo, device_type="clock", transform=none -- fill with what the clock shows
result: 3:25
